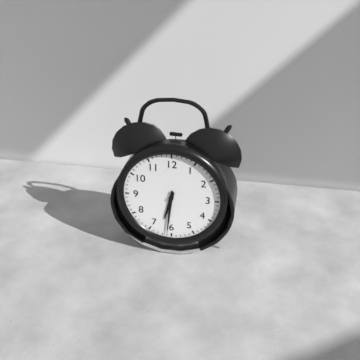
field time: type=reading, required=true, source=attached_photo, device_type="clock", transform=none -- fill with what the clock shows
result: 6:31
